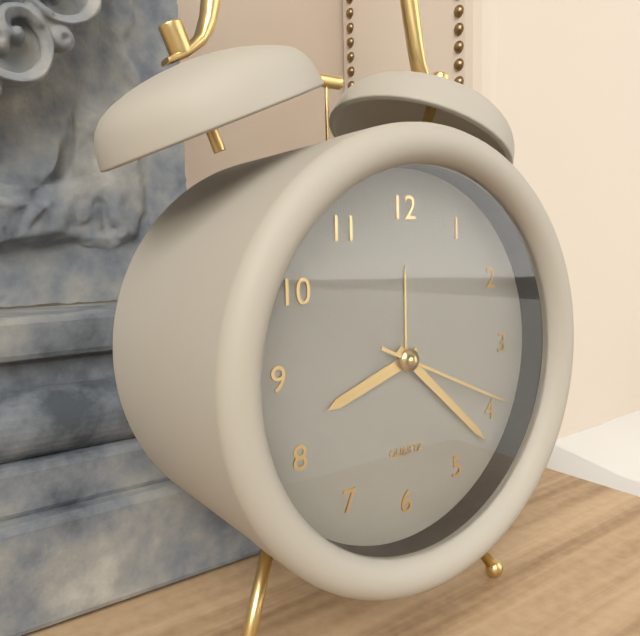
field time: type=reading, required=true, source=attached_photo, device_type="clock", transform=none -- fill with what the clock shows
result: 8:22:19
